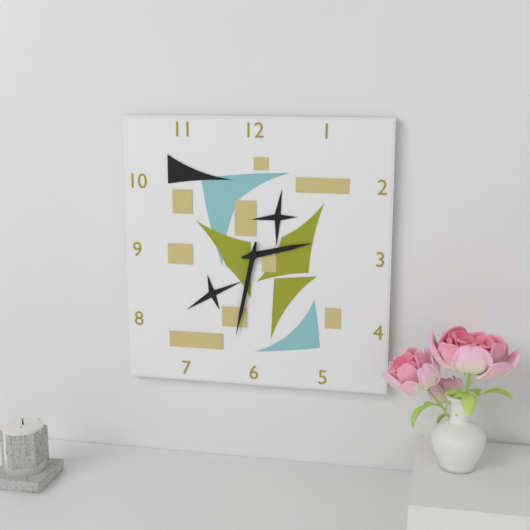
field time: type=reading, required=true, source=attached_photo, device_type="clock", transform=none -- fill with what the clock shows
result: 2:32
